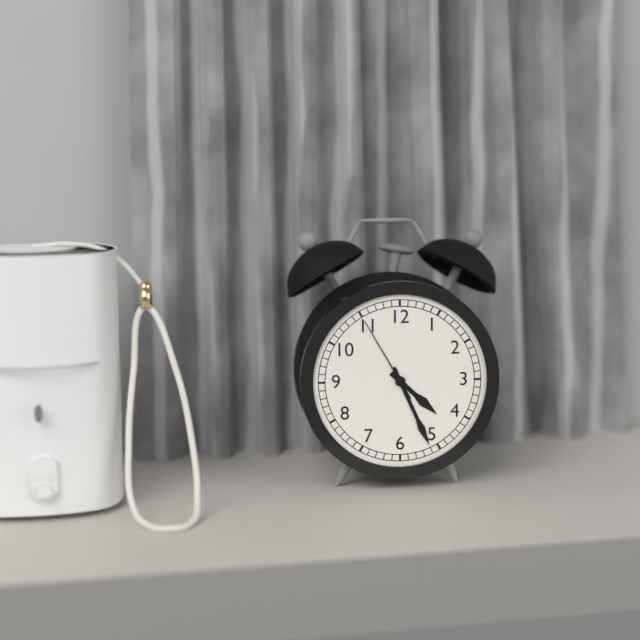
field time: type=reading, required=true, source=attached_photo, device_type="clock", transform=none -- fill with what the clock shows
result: 4:26:55
